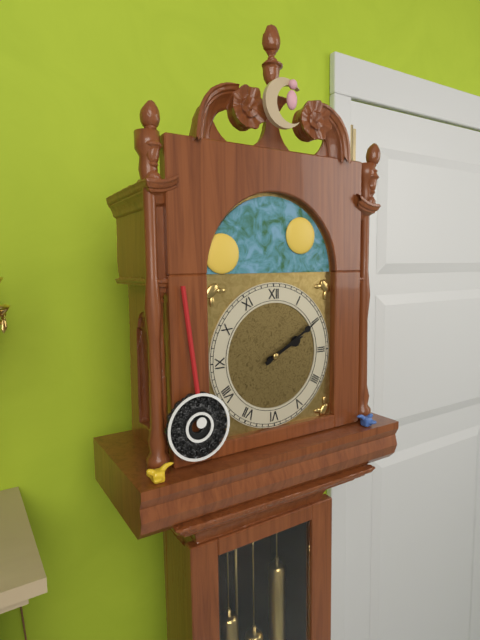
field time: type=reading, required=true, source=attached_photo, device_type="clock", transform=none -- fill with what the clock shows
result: 2:10
